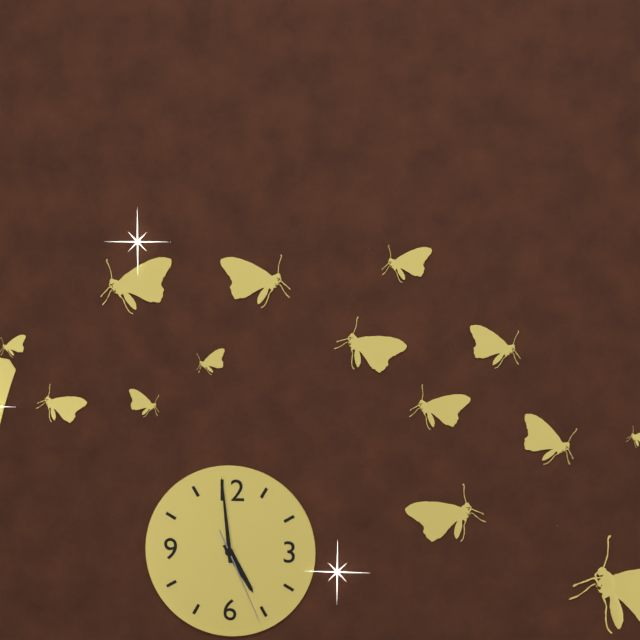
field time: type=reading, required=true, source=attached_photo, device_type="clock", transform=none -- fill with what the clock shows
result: 4:59:26
